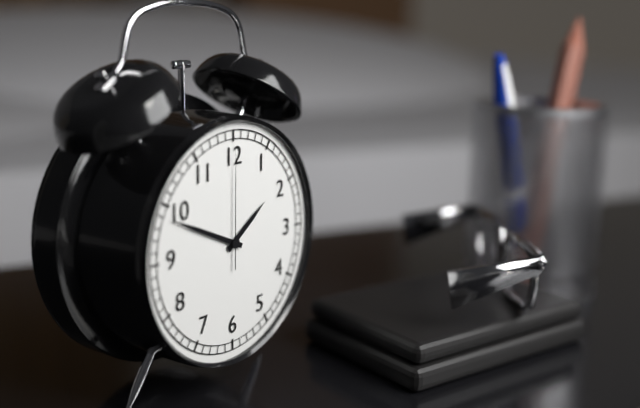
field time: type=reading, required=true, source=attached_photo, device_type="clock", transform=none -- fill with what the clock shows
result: 1:49:00
